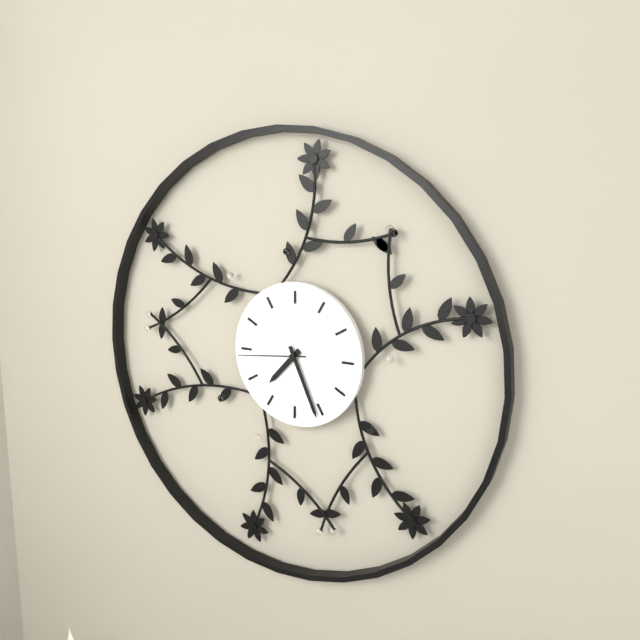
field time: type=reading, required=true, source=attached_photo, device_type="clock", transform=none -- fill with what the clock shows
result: 7:26:44
